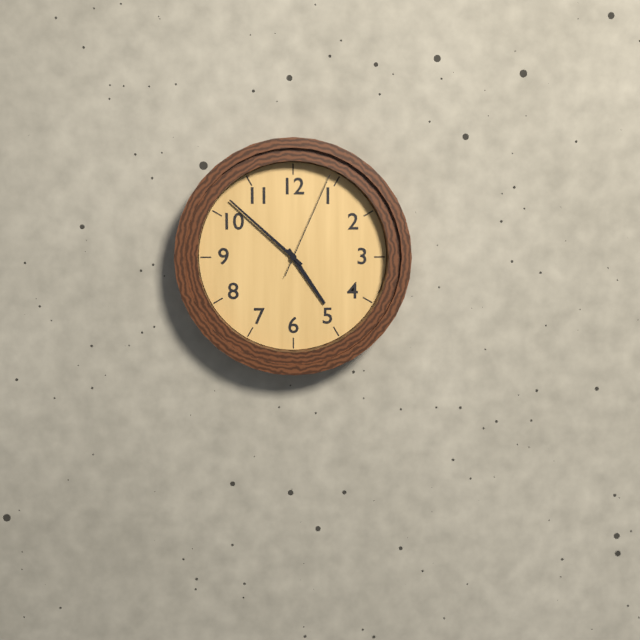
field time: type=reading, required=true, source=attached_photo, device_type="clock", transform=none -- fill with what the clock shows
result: 4:52:04
